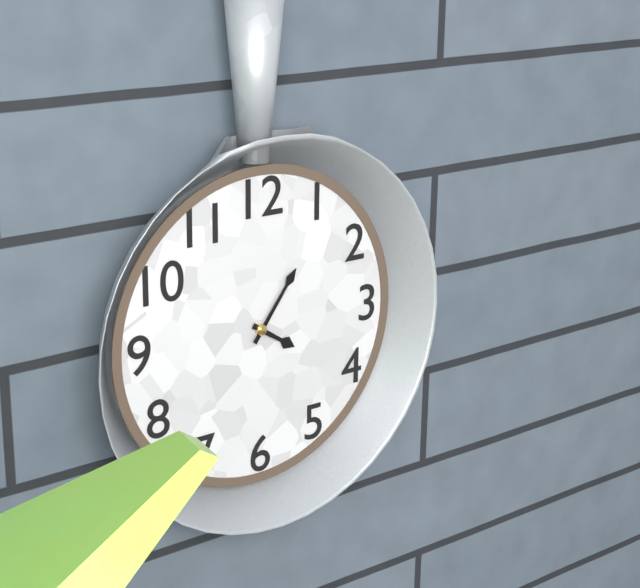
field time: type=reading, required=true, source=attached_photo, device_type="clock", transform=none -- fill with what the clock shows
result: 4:06
